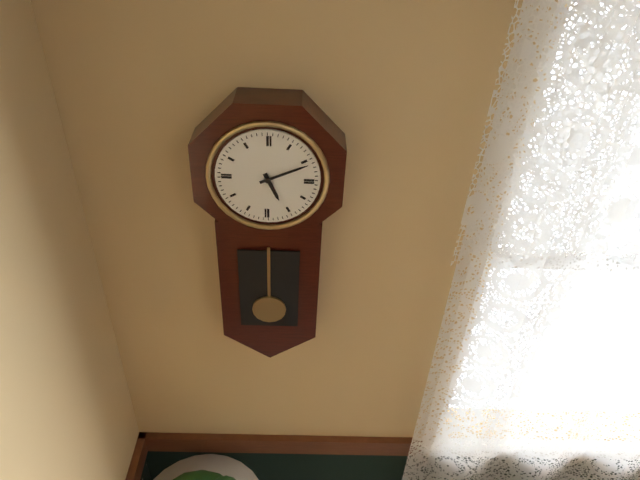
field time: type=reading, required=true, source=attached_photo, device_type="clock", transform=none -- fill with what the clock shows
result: 5:11
